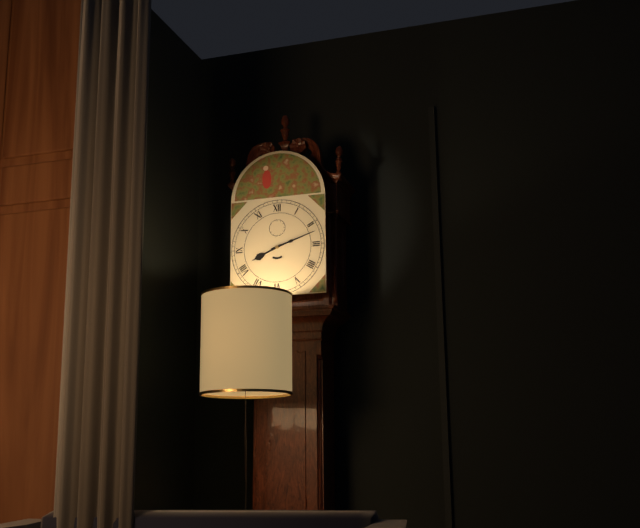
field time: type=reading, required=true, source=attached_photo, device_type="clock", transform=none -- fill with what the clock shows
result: 8:12
